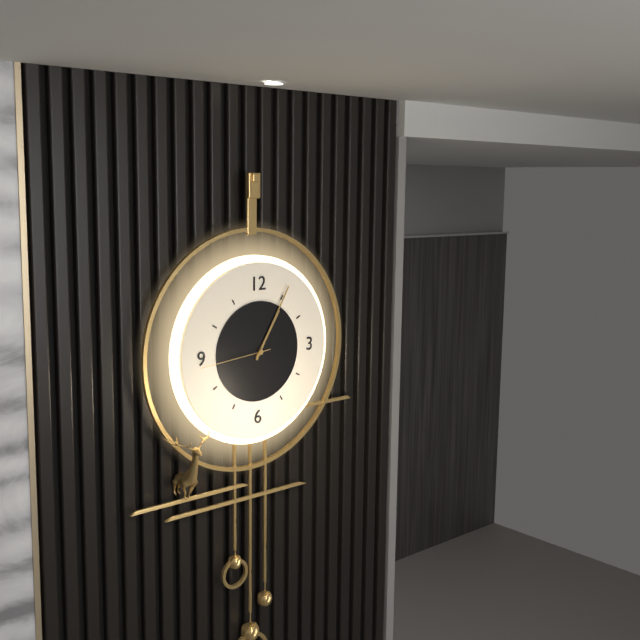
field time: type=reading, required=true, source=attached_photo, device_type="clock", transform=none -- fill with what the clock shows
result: 1:05:44
